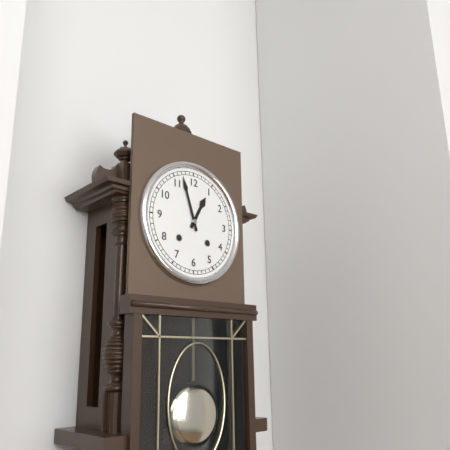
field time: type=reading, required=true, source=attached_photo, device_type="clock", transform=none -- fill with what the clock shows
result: 12:57
